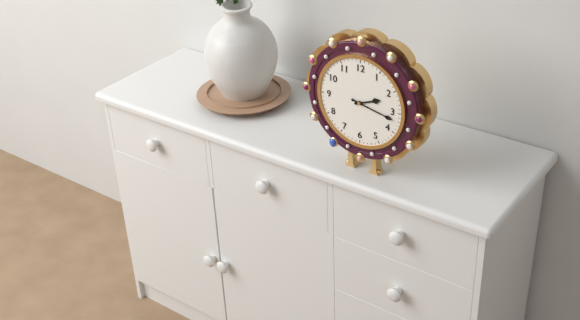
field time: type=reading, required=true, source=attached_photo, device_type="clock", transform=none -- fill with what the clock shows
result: 2:17
